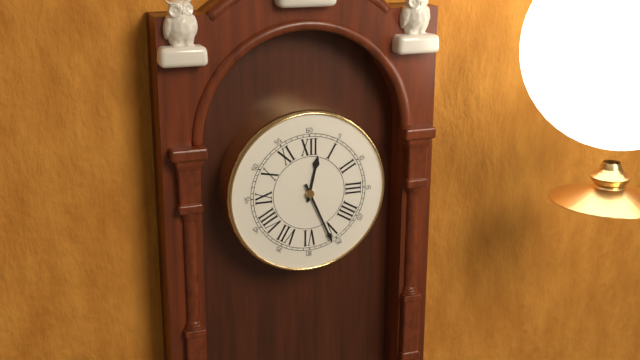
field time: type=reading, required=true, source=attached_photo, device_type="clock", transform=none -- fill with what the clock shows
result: 12:26
